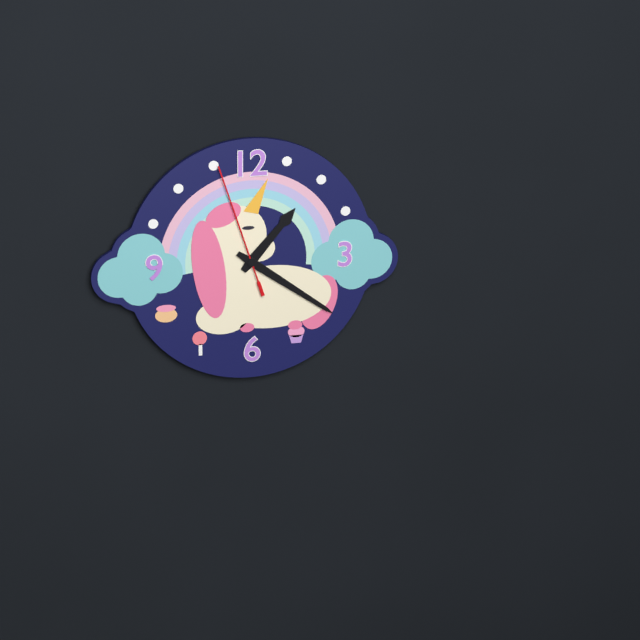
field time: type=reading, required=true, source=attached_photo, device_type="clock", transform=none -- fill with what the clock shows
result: 1:21:57
